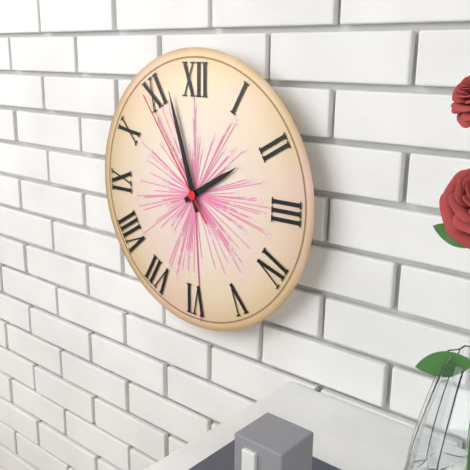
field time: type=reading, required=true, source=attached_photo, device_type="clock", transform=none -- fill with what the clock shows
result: 1:57:54
